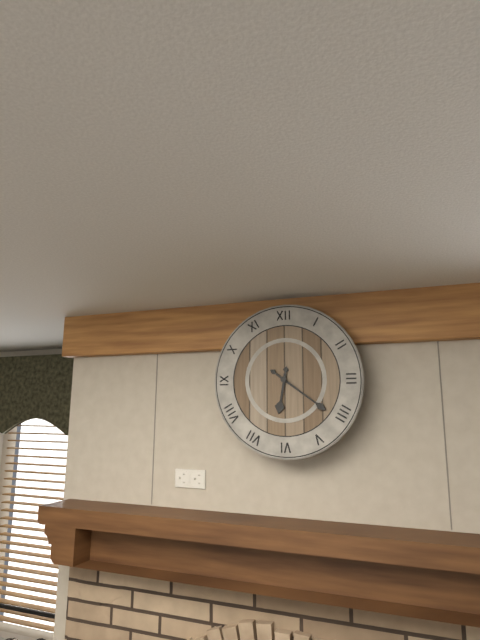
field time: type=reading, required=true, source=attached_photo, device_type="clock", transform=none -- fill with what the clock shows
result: 6:21
